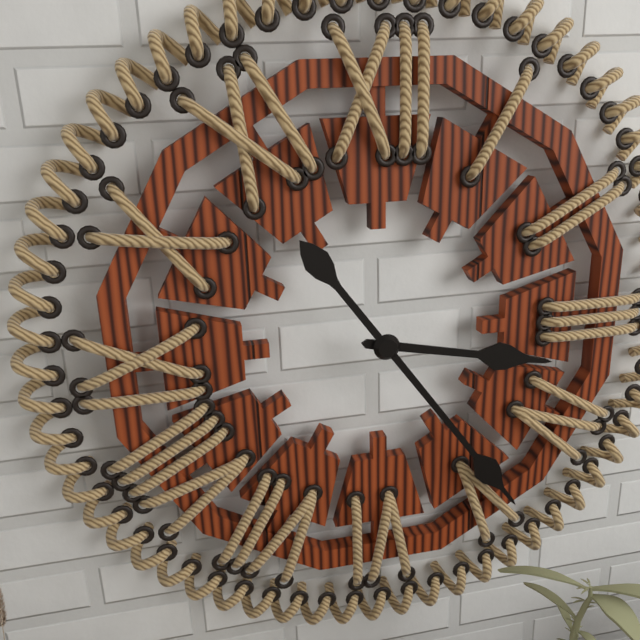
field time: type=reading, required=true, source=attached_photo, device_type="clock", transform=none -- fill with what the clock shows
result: 3:24
